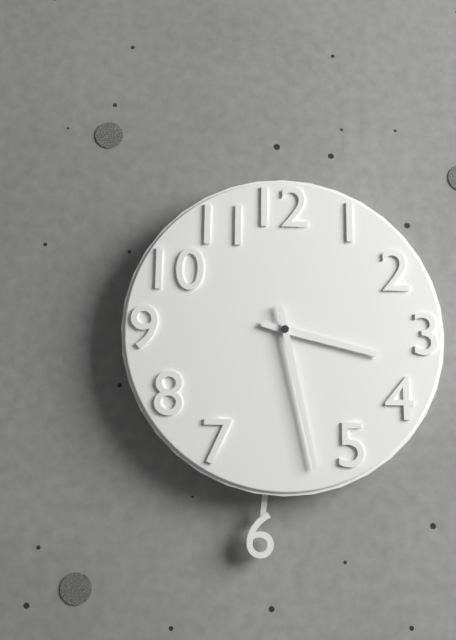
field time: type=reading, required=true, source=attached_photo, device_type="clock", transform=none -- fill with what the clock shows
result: 3:28
